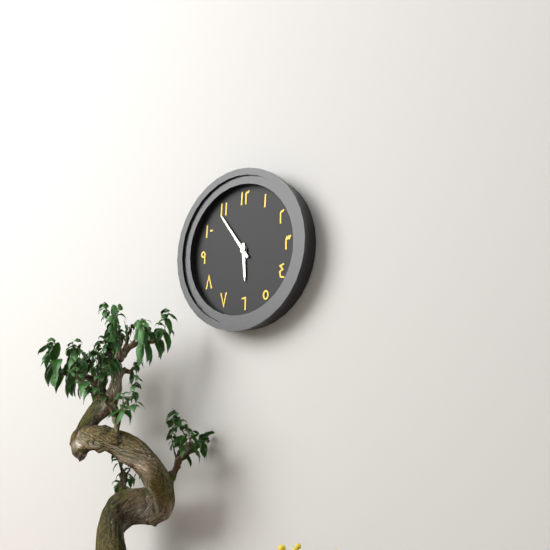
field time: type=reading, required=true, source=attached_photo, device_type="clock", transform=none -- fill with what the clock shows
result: 5:54
